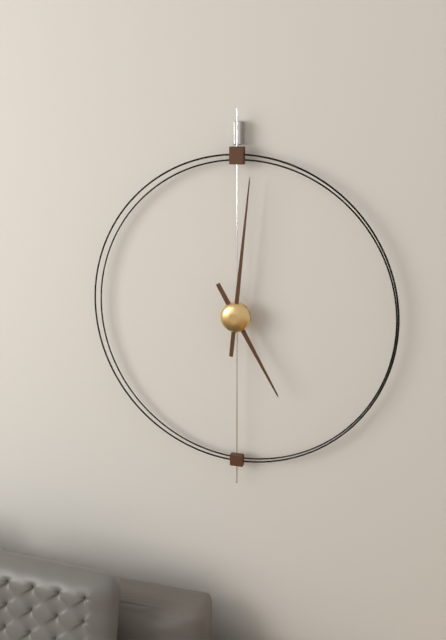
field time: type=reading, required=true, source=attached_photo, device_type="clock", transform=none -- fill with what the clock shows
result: 5:01
